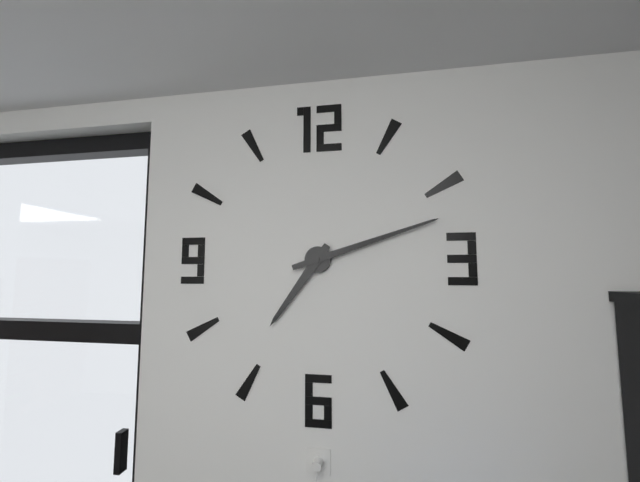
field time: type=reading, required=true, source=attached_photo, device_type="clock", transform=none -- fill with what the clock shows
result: 7:12
